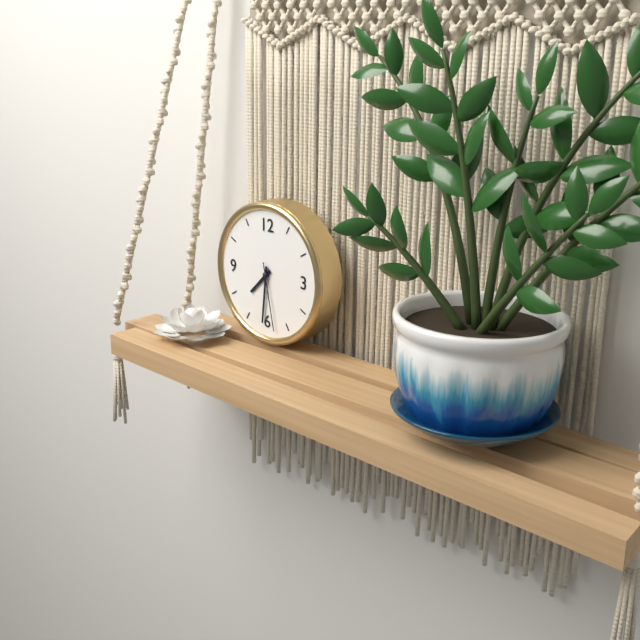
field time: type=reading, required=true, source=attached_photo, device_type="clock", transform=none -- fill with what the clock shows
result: 7:31:28
